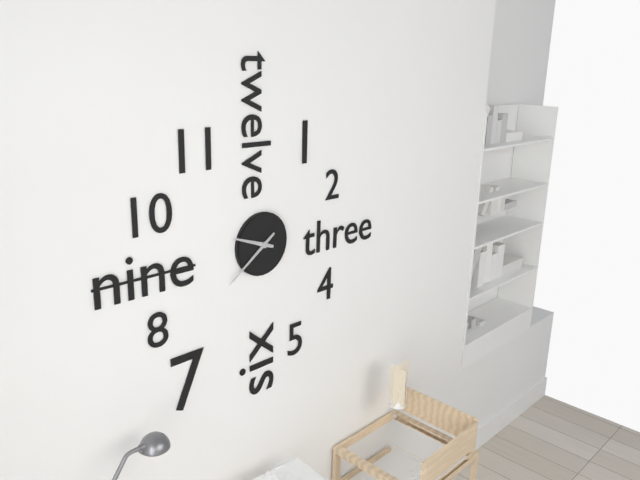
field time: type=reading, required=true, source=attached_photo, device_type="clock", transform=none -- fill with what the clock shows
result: 9:39
